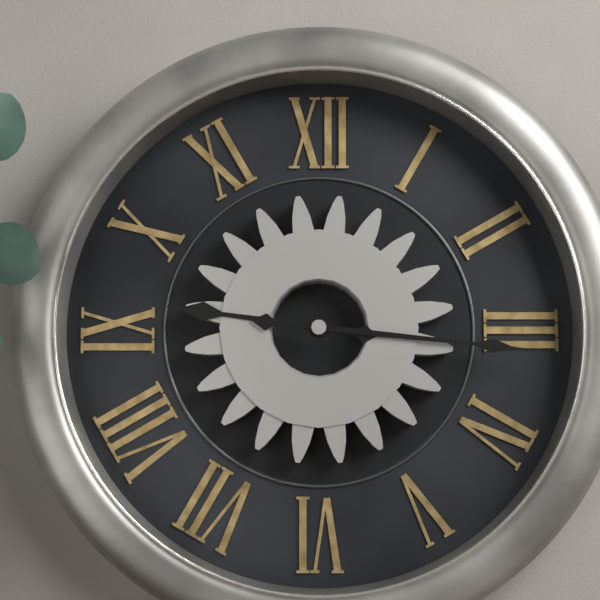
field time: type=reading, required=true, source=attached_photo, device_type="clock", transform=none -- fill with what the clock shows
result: 9:16
